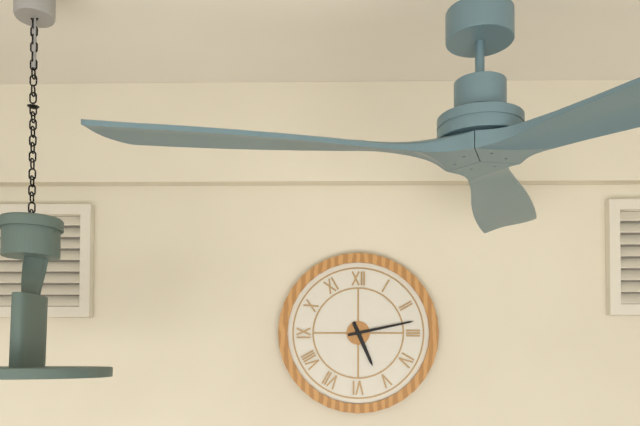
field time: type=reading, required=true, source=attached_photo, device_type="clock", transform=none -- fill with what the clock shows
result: 5:13
